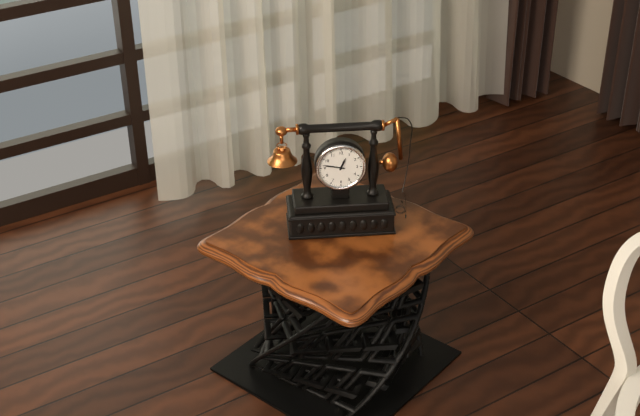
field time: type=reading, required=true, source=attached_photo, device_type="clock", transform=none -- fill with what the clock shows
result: 12:47
